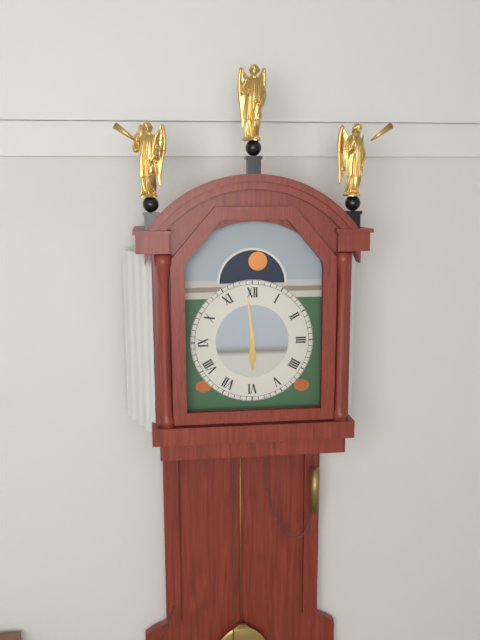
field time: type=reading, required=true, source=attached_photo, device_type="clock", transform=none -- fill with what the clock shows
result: 5:59
